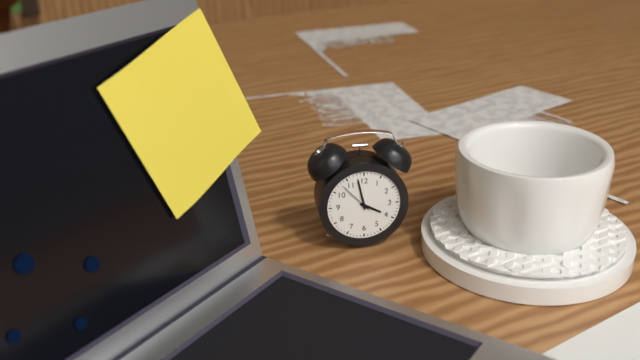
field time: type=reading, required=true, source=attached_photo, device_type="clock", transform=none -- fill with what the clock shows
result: 3:58
